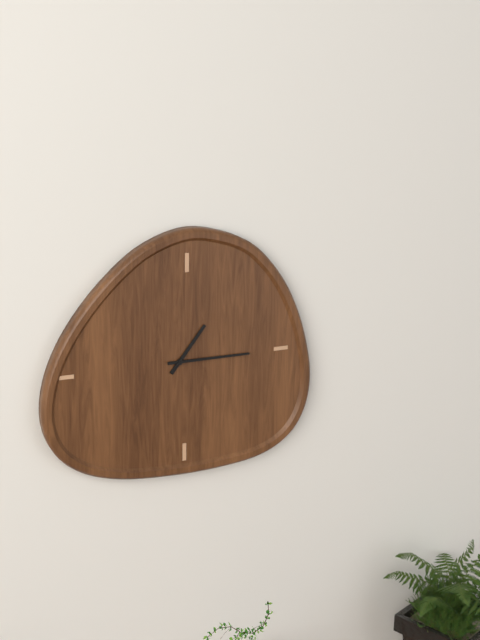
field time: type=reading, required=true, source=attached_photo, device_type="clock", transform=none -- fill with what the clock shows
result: 1:15
